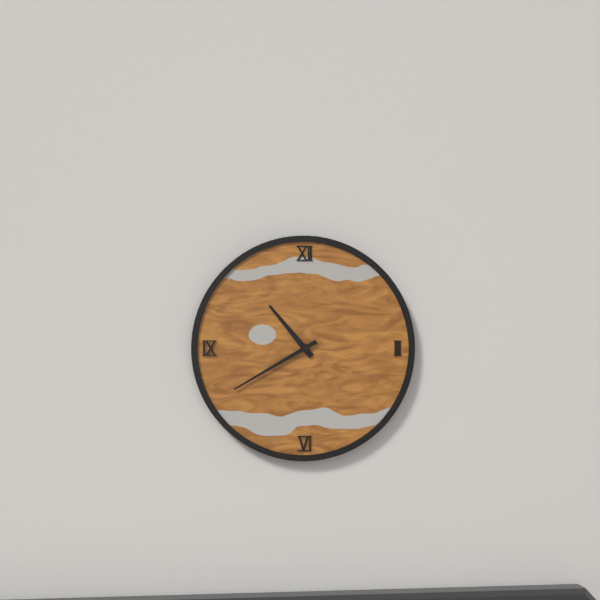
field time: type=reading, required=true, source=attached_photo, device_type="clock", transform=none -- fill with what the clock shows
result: 10:40
